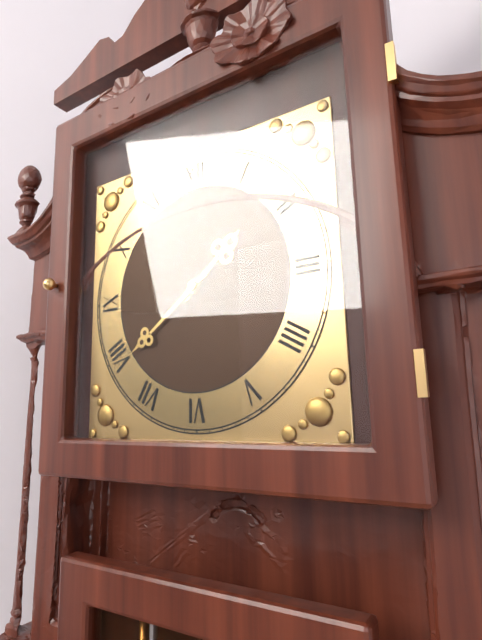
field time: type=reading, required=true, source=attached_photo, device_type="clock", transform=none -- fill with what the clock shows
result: 1:39
